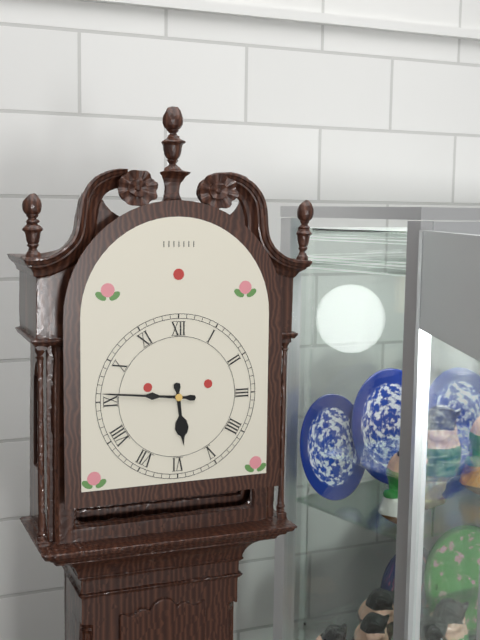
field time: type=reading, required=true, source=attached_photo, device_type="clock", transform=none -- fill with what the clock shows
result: 5:46
